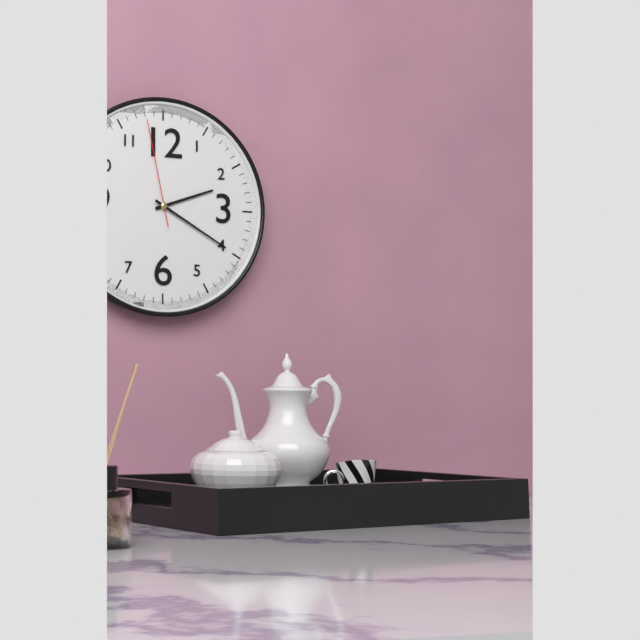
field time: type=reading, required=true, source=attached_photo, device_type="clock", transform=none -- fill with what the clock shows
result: 2:20:58
